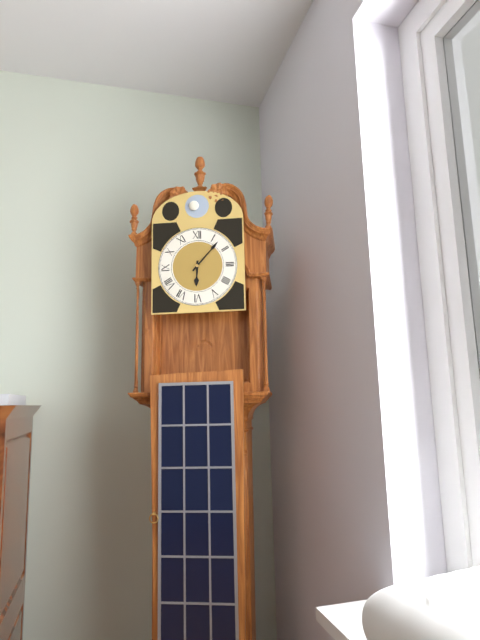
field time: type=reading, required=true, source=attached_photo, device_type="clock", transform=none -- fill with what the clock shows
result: 6:07
